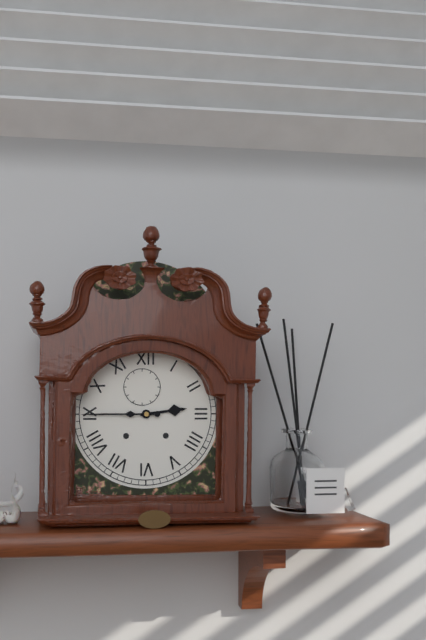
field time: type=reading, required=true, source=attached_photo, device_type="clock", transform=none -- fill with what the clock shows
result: 2:45
